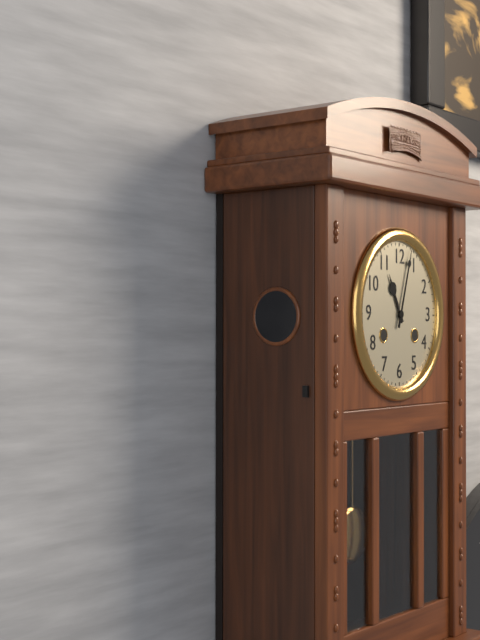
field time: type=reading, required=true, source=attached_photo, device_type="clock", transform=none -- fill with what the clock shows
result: 11:03
